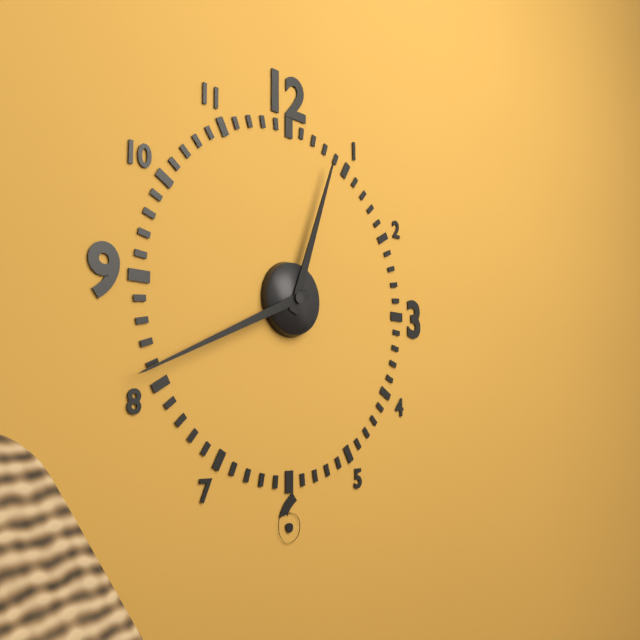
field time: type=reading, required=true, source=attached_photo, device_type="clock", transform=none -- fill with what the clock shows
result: 12:41
